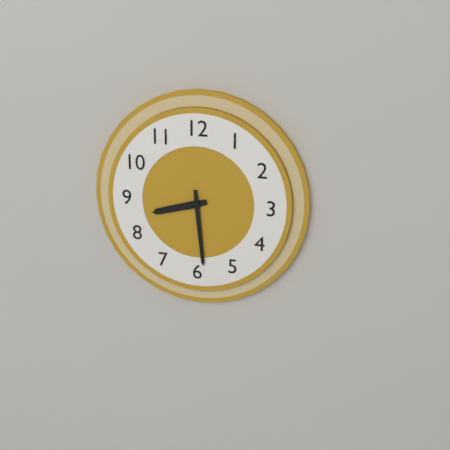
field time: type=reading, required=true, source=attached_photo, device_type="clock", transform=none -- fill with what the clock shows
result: 8:29
